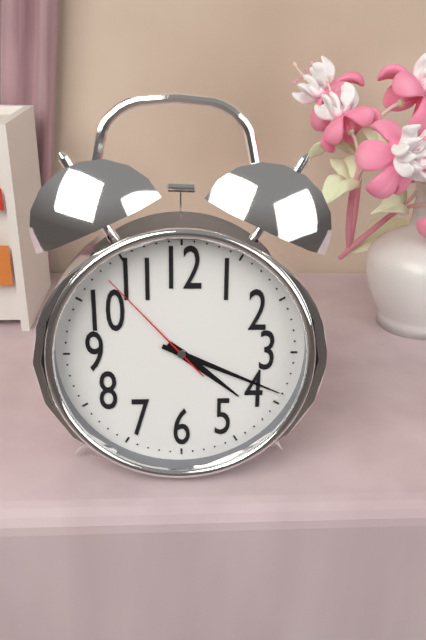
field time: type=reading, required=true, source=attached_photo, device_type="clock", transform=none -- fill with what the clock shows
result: 4:19:53
